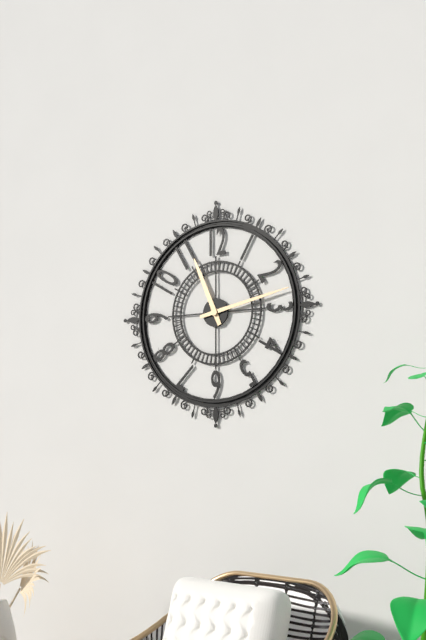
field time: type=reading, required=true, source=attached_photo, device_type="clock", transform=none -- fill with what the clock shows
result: 11:13
